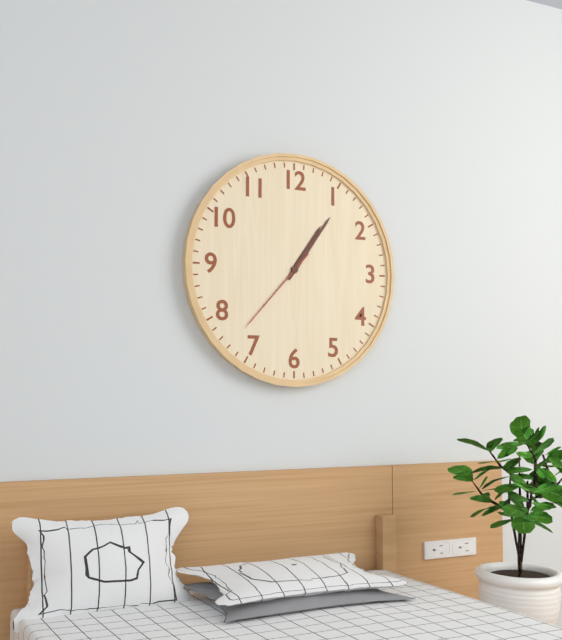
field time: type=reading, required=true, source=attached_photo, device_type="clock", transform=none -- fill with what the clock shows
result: 1:06:37
